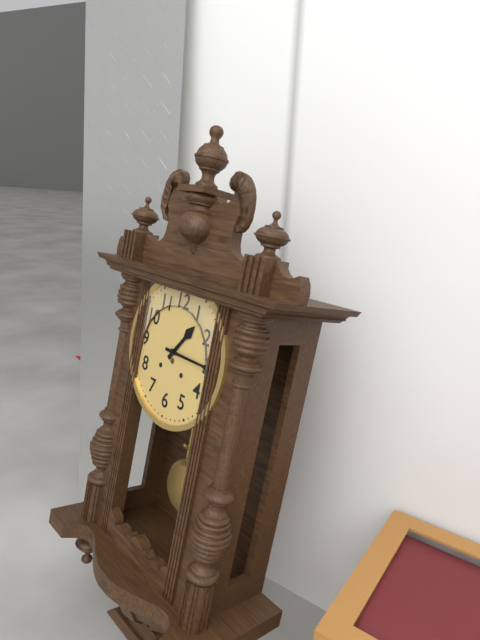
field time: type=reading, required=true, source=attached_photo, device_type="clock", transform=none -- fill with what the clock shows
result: 1:15
